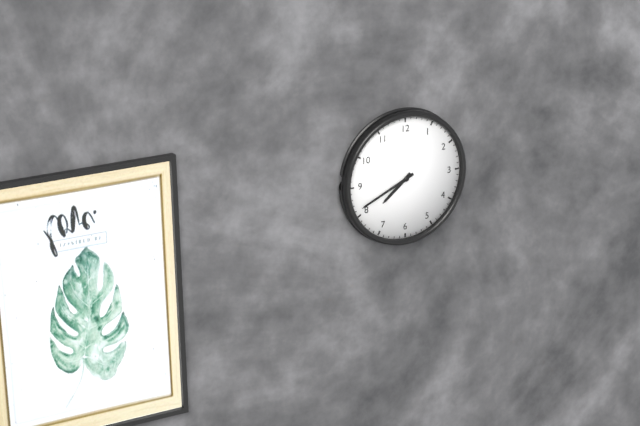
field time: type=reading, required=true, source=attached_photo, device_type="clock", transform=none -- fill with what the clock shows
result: 7:41
